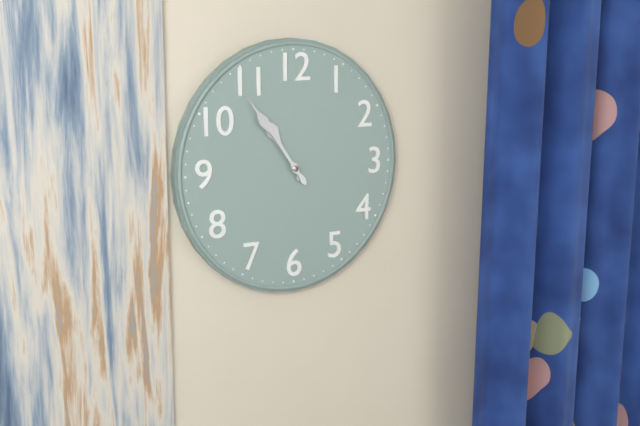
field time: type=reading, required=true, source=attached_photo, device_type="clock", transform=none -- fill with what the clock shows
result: 10:54
